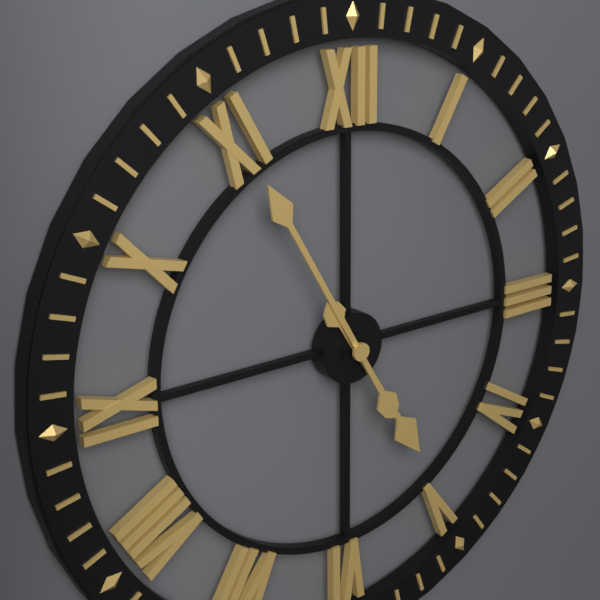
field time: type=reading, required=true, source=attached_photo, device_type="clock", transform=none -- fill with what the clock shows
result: 4:55
